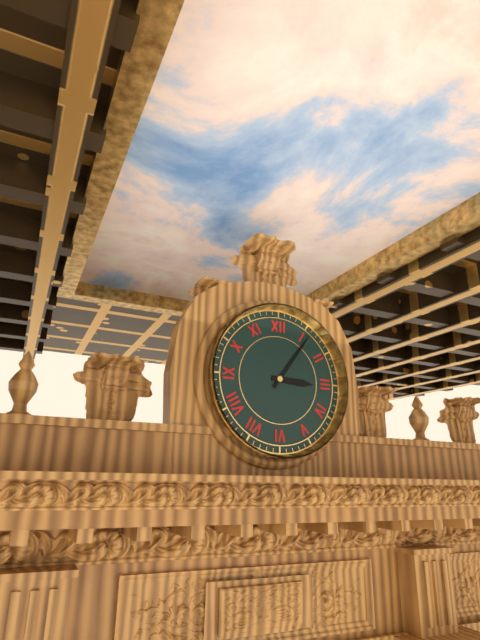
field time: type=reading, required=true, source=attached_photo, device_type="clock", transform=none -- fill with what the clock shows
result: 3:06
